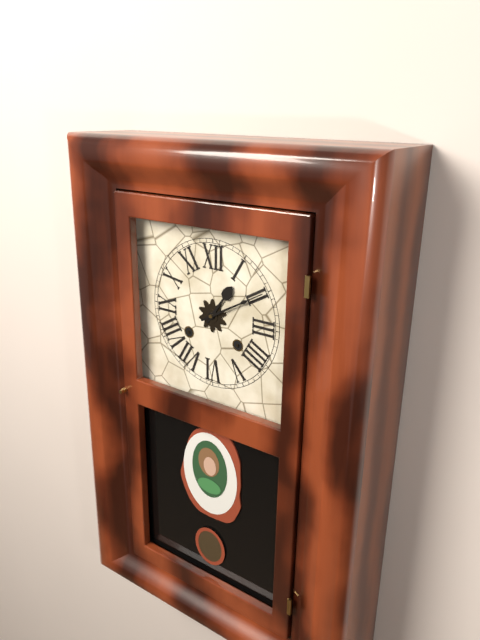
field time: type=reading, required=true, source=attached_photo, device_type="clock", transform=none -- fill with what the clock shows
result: 1:10
